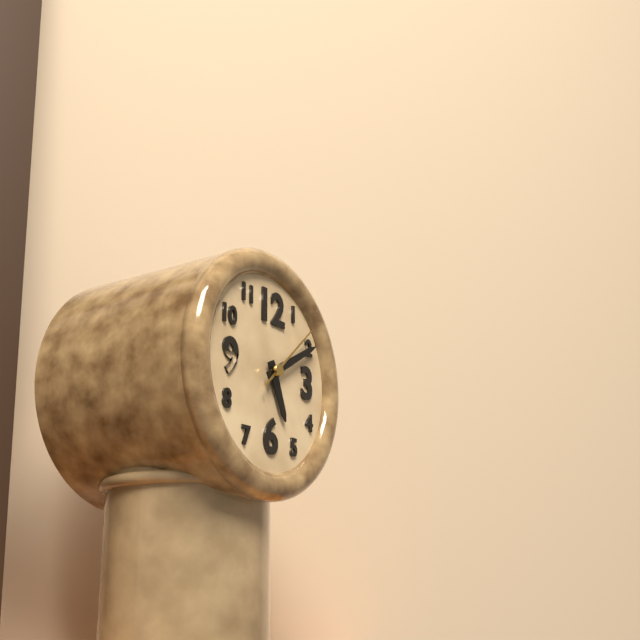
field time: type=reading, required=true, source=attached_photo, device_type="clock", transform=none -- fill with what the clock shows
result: 5:10:08
